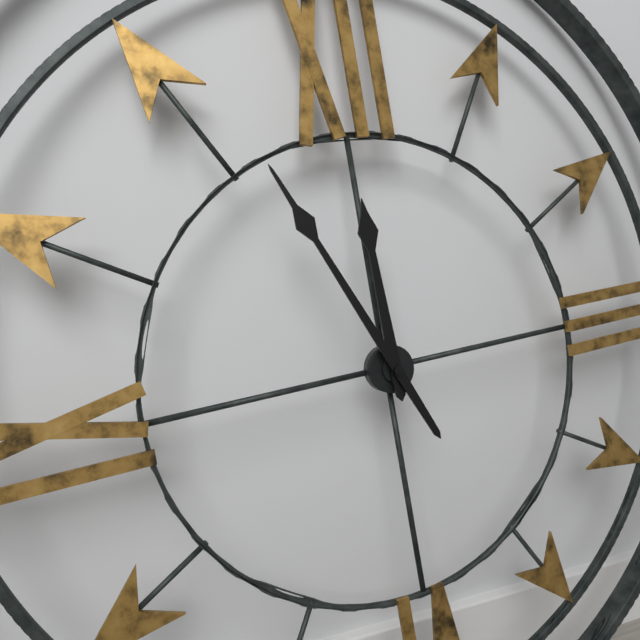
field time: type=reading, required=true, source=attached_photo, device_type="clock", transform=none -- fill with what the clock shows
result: 11:56
